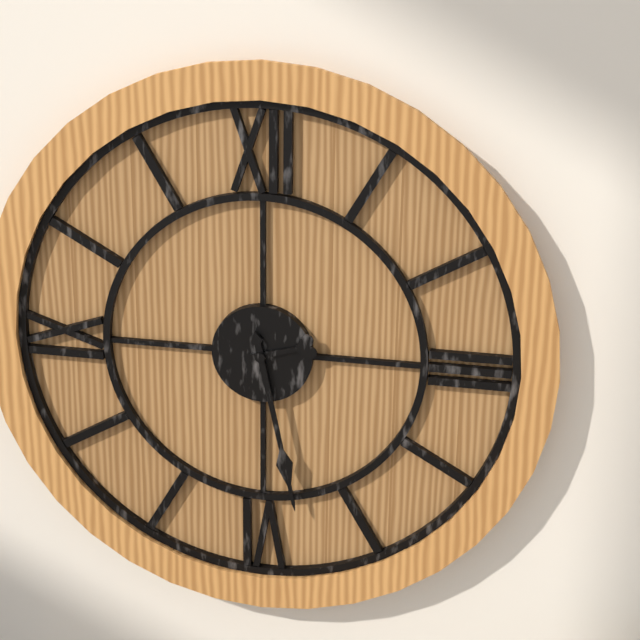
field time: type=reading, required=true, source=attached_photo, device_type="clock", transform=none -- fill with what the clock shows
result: 2:28
